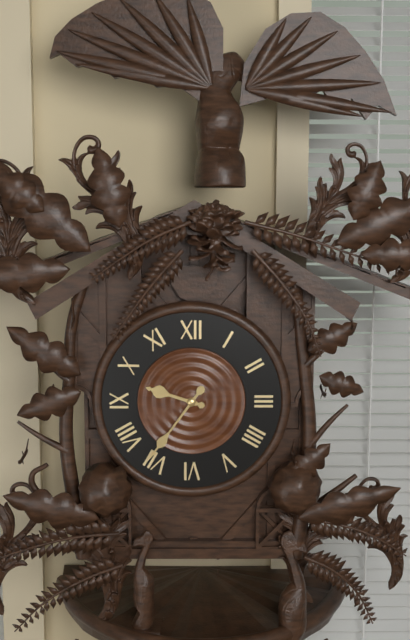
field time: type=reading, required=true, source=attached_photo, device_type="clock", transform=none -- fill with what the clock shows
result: 9:36
